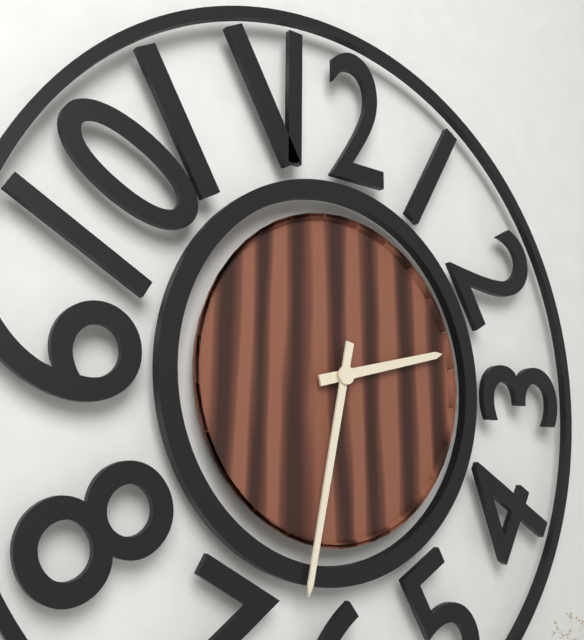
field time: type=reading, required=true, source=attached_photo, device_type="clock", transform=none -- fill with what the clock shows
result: 2:32
